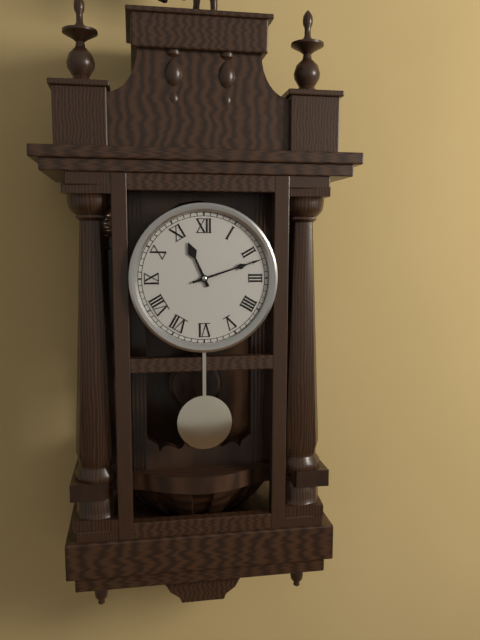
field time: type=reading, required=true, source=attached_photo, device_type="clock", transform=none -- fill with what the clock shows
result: 11:12
